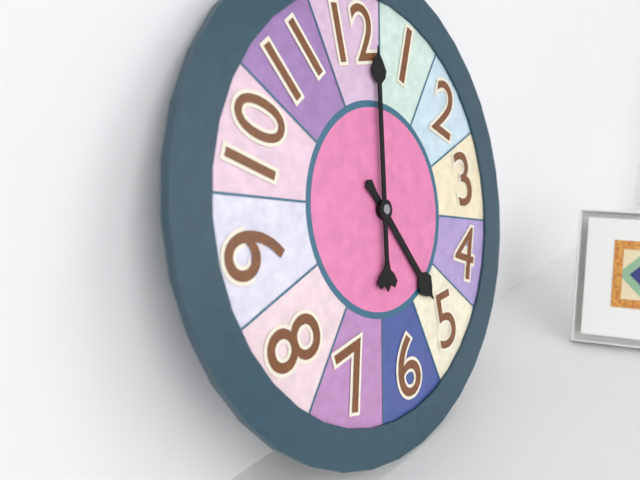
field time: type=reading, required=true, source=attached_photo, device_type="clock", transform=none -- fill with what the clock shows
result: 5:02
